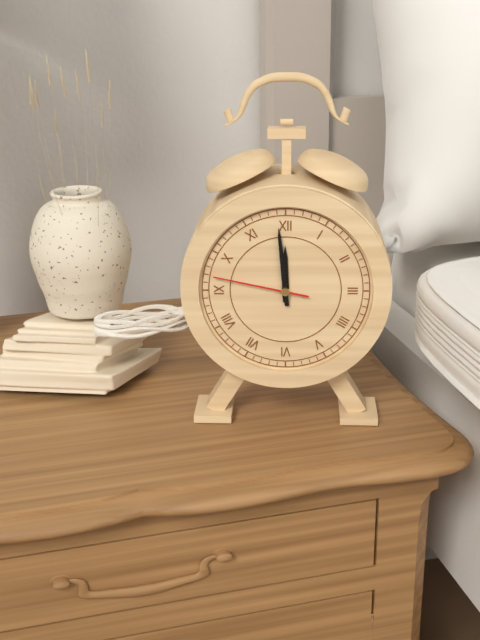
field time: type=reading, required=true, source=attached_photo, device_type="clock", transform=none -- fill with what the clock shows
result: 11:59:47
